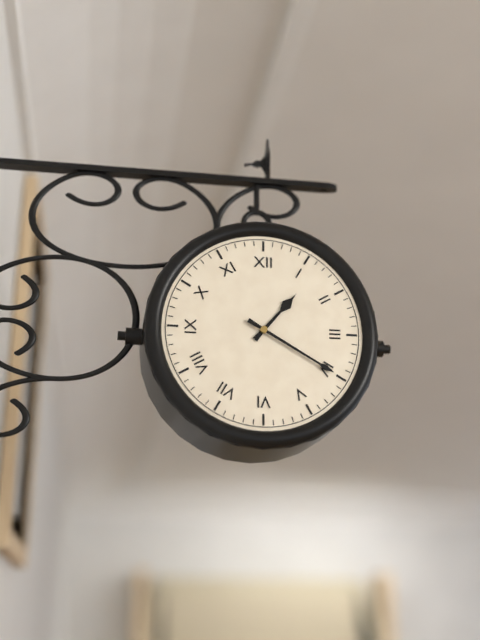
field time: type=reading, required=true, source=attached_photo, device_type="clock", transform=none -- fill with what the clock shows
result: 1:20
